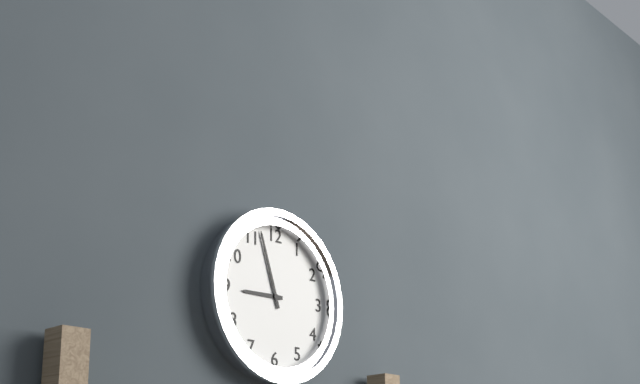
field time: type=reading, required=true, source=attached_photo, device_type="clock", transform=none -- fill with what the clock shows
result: 8:57
